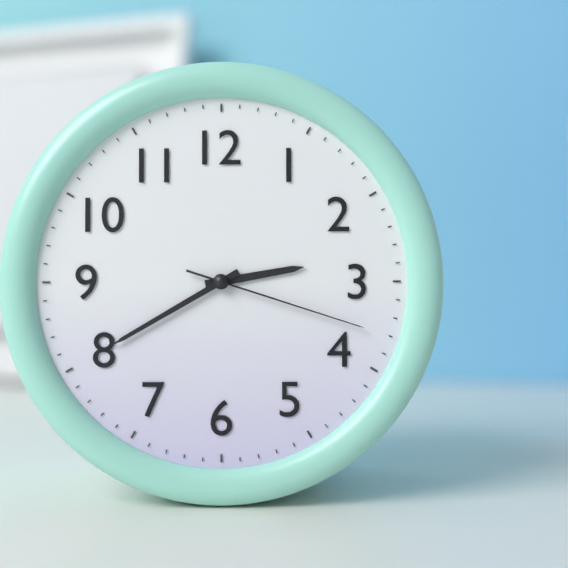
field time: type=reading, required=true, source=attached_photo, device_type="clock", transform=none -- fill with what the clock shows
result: 2:40:18
